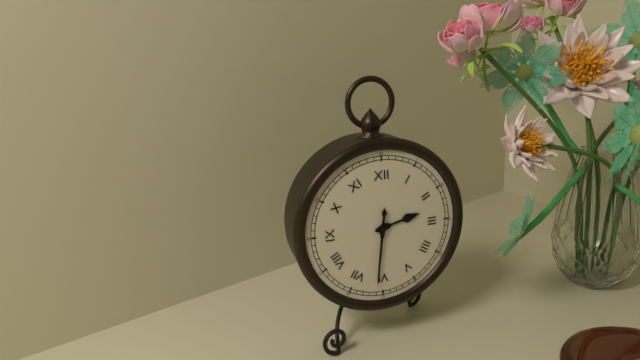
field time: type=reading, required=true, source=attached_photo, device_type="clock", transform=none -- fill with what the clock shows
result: 2:31
